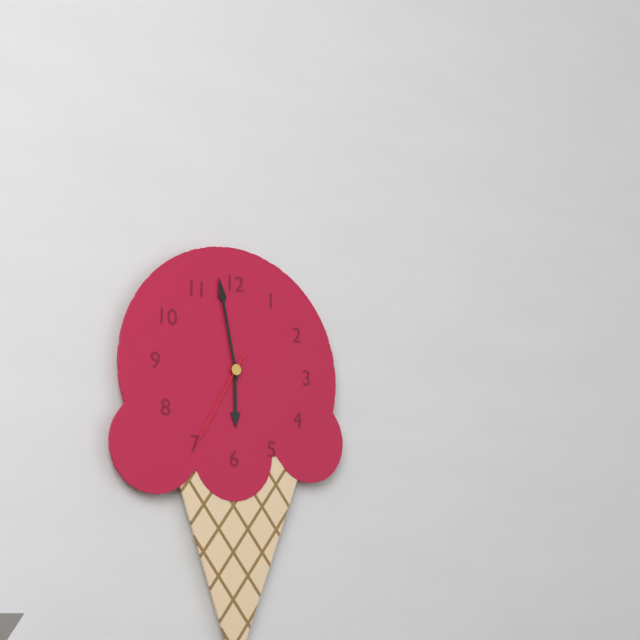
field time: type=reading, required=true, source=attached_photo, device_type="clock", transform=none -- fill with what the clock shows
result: 5:58:35
